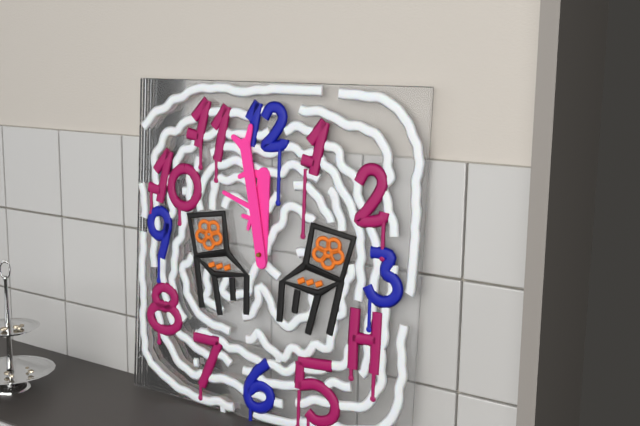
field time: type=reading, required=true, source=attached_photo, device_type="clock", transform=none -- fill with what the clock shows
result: 11:58
